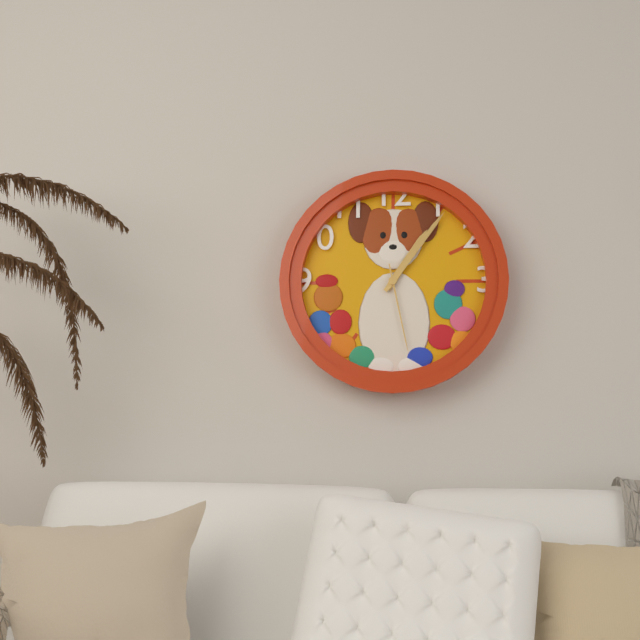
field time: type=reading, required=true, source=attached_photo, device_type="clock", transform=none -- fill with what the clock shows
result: 1:06:28
